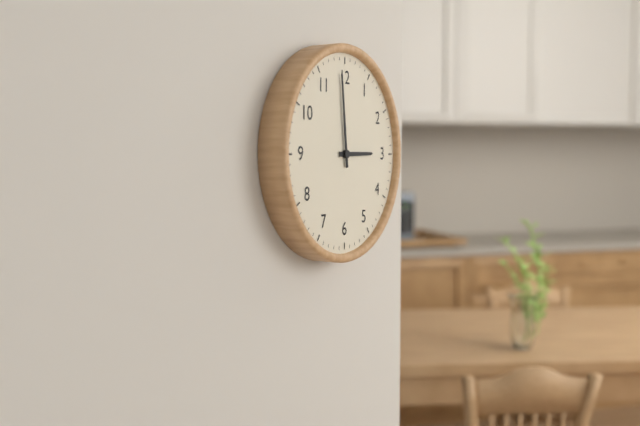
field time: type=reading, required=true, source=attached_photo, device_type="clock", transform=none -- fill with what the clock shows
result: 2:59
